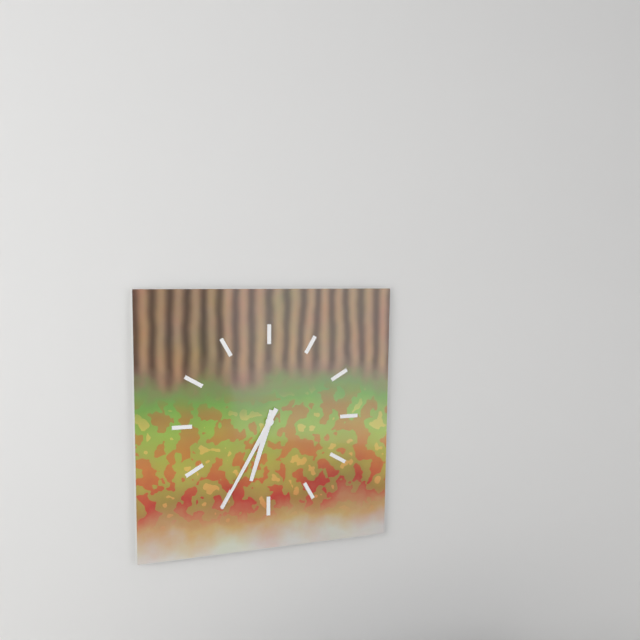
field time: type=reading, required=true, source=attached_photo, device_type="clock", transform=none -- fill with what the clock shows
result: 6:35
